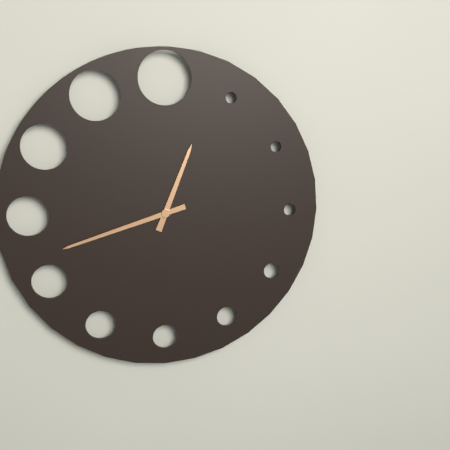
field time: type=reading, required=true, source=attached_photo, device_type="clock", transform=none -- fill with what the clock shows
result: 12:42
